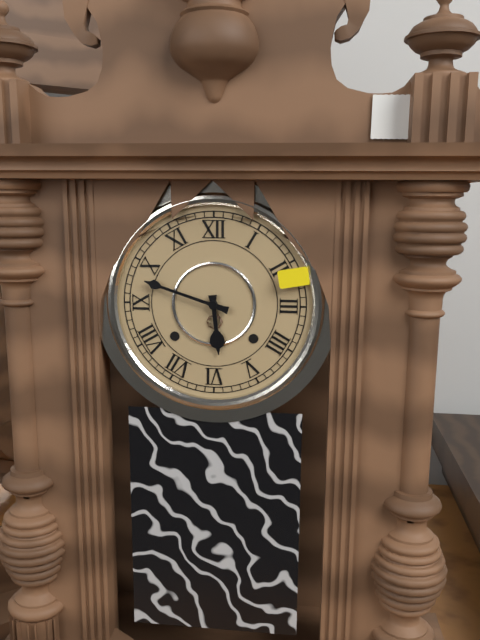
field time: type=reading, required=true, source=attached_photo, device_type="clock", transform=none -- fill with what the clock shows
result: 5:48
